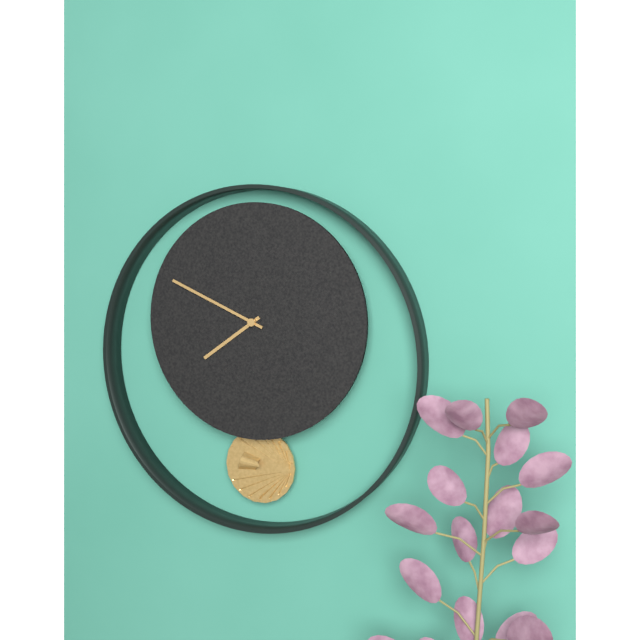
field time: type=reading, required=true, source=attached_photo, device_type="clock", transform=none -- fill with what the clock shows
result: 7:49
